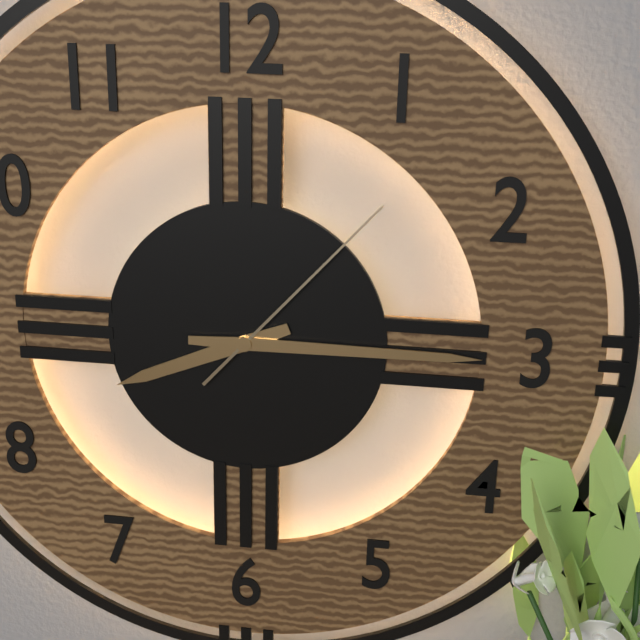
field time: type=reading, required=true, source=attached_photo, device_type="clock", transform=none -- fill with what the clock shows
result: 8:15:07
